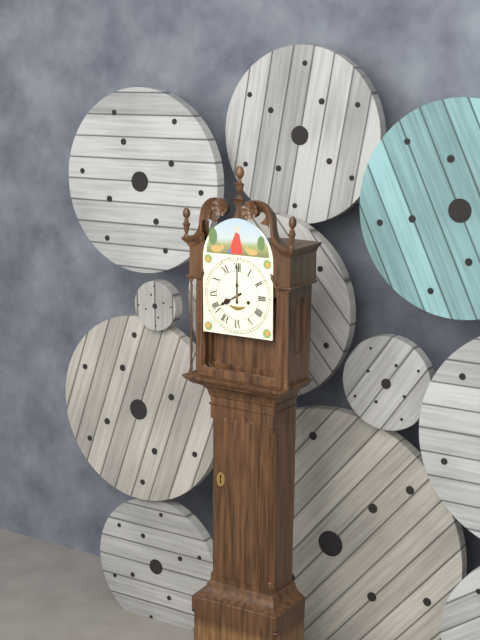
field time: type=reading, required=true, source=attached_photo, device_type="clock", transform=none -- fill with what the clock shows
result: 8:00
